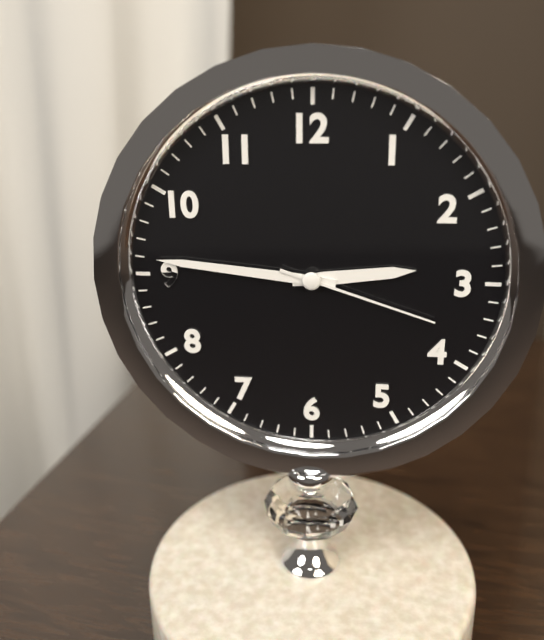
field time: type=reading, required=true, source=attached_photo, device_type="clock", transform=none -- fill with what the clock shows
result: 2:46:18
